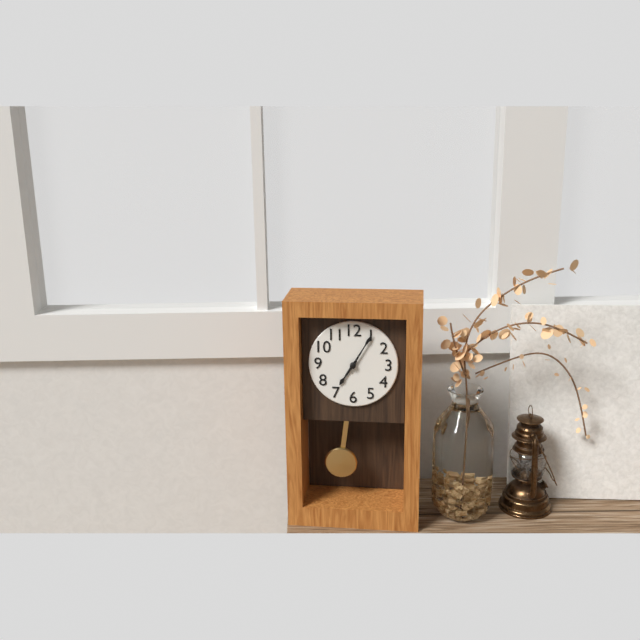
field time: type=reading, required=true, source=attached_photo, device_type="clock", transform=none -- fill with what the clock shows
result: 7:05
